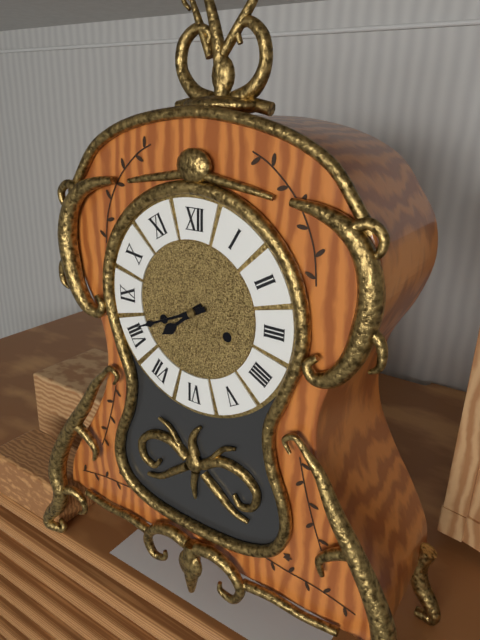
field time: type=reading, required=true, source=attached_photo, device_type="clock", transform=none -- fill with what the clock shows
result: 7:41
